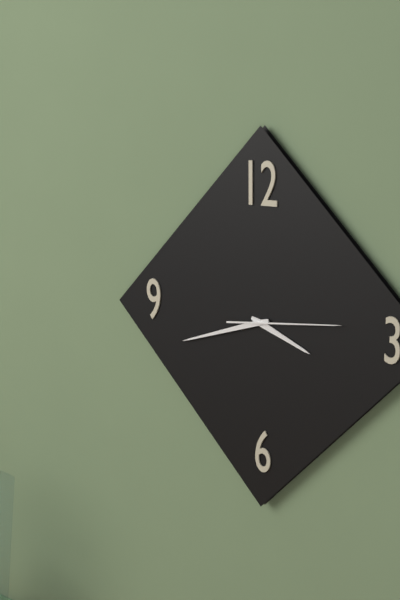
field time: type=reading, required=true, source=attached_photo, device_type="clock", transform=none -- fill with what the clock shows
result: 3:42:14
